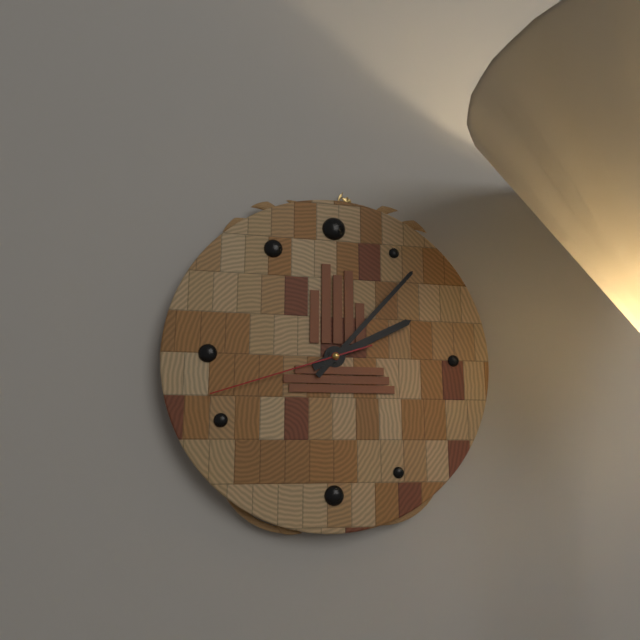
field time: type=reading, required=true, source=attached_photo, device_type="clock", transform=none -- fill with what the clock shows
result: 2:07:42
